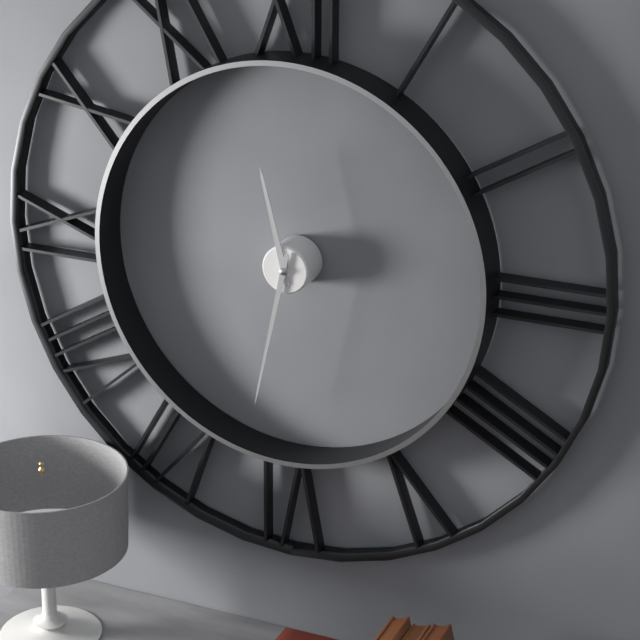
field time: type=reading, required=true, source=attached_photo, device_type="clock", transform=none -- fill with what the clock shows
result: 11:32
